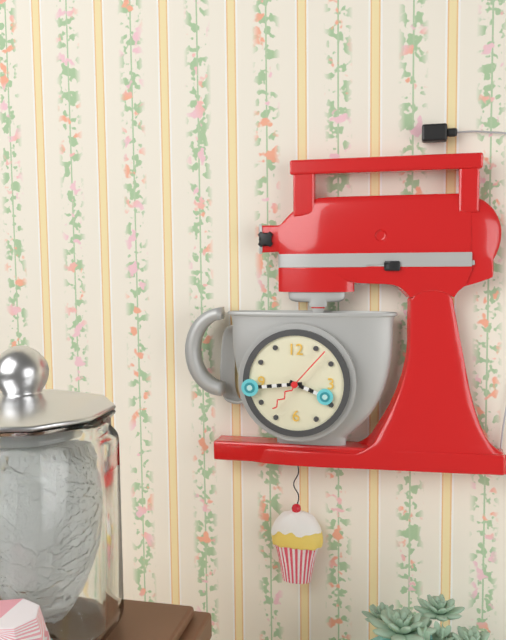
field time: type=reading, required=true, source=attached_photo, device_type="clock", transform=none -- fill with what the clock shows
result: 3:44
